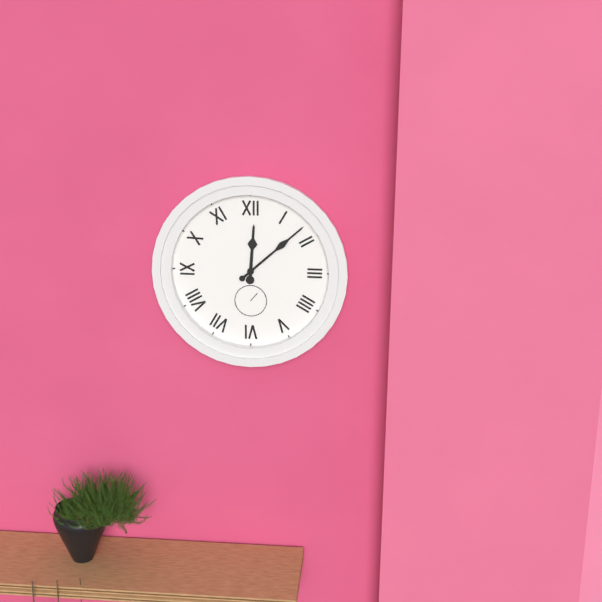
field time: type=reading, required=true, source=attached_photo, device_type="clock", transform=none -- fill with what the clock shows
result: 12:08
